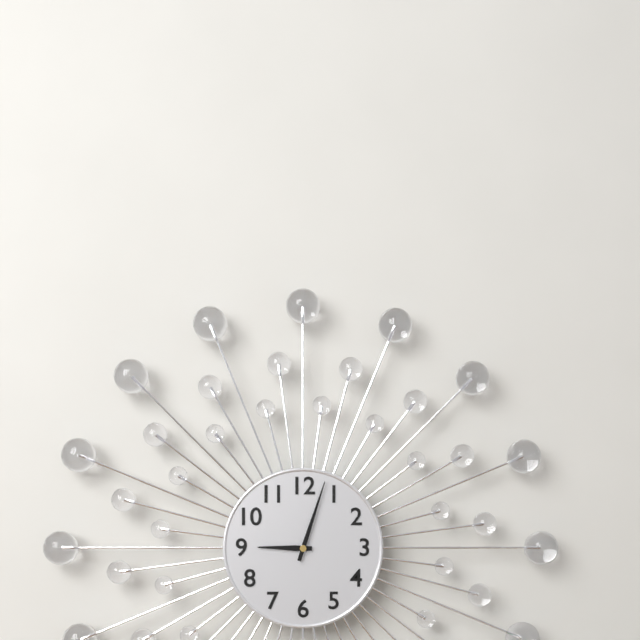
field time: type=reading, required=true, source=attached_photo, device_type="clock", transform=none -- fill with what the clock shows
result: 9:03
